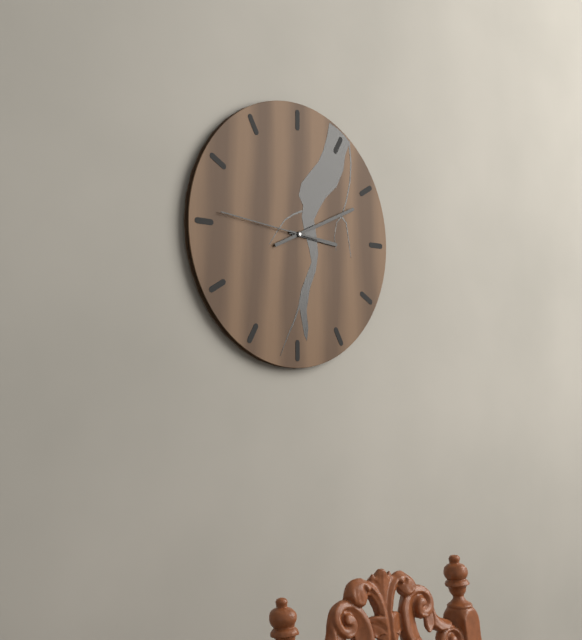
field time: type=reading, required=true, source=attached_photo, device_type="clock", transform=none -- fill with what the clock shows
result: 3:11:46
